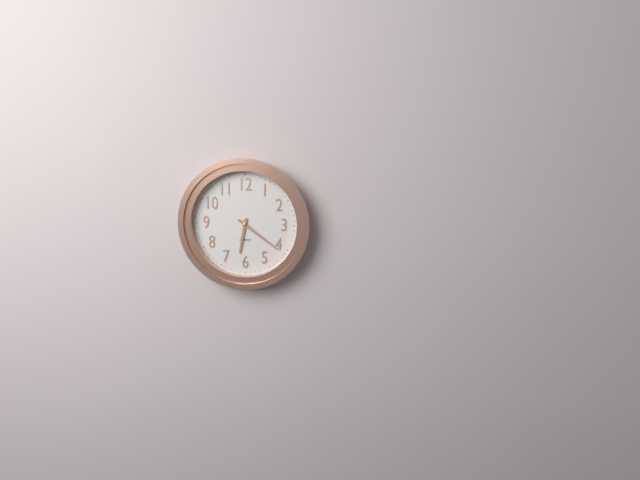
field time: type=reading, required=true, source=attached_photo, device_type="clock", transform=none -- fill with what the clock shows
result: 6:21
